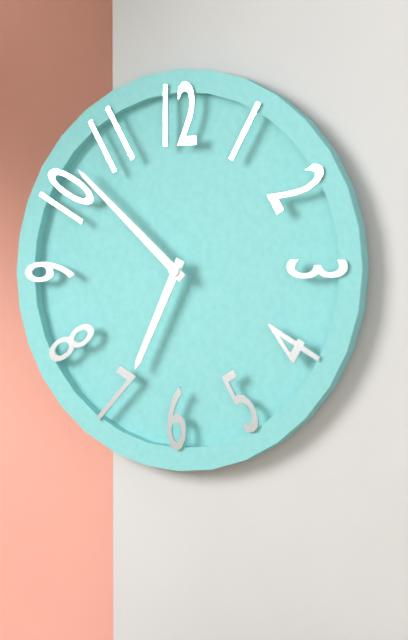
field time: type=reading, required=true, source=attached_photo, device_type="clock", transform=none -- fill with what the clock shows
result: 6:52
